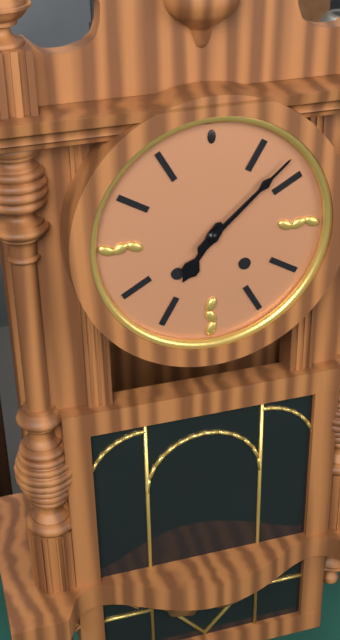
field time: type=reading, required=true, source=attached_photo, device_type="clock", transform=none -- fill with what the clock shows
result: 7:08
